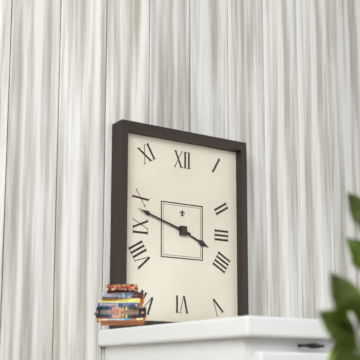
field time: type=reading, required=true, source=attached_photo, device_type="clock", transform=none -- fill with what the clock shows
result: 3:48
